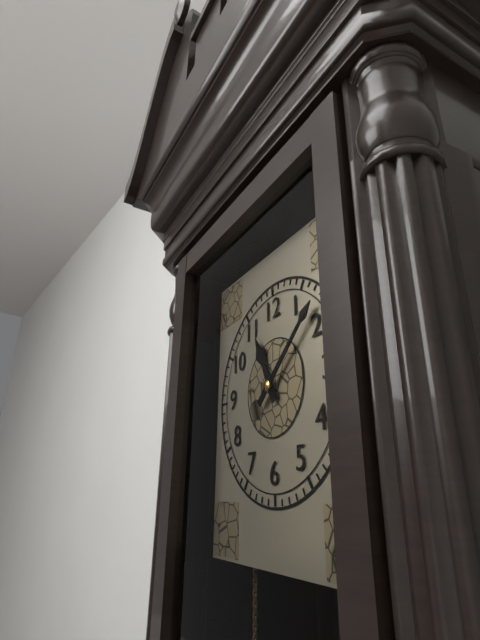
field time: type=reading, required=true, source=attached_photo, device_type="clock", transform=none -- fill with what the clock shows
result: 11:08
